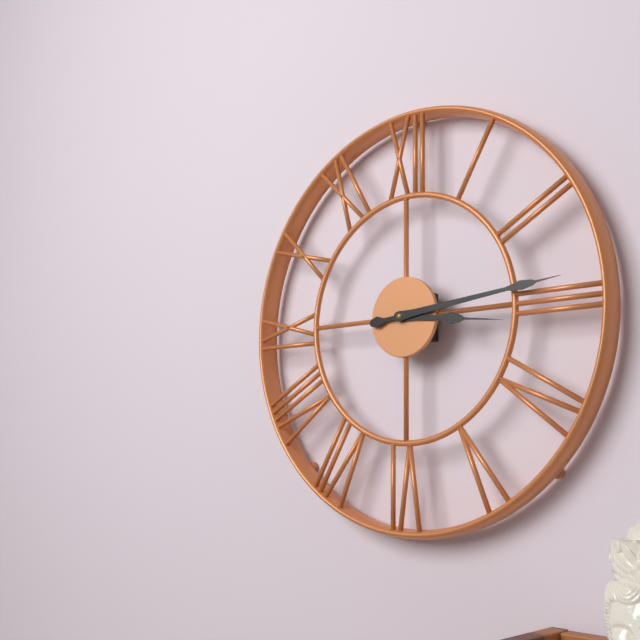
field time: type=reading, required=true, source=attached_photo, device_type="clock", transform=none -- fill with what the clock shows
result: 3:14
